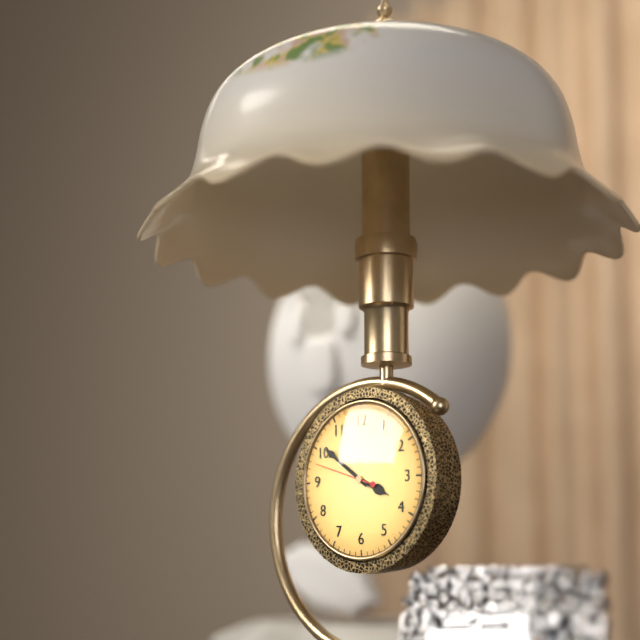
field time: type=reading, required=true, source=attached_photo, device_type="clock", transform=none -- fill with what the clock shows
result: 3:51:48
